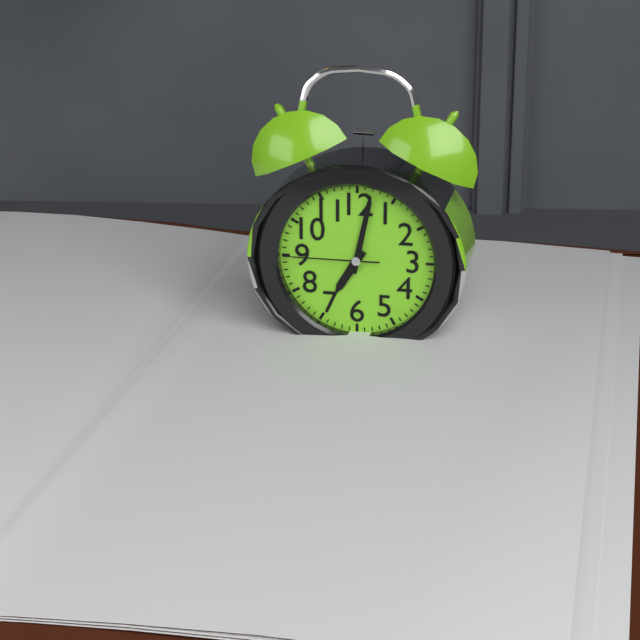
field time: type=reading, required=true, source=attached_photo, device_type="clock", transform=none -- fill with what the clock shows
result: 7:02:45
